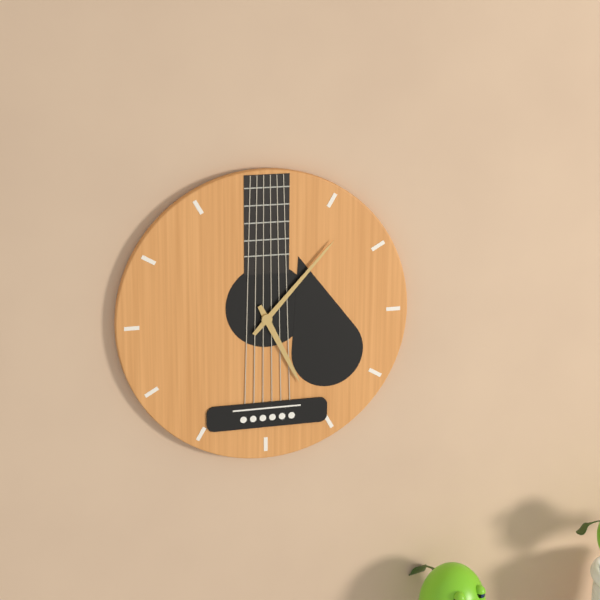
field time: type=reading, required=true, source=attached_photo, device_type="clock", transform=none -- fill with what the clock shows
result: 5:07
